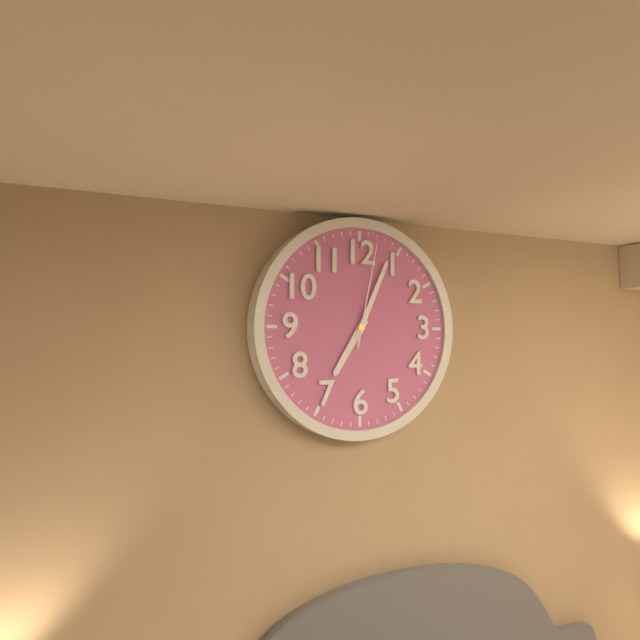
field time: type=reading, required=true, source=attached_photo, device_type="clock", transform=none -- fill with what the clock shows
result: 7:04:02
